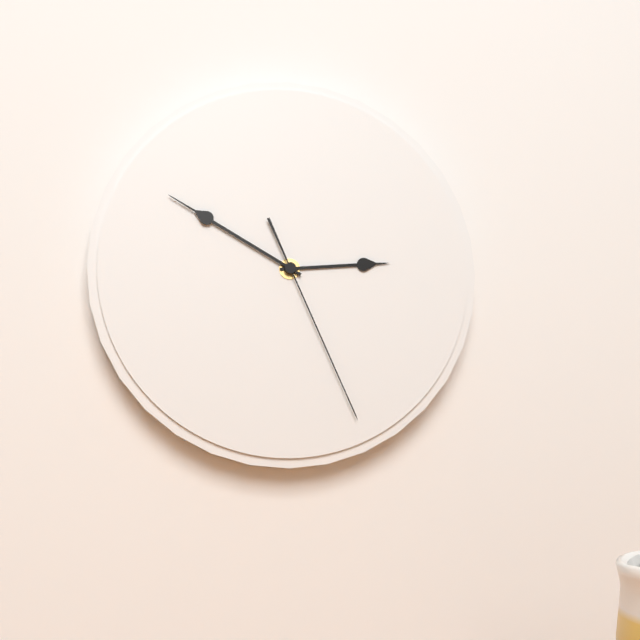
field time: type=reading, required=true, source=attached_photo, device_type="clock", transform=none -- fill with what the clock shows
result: 2:50:26
